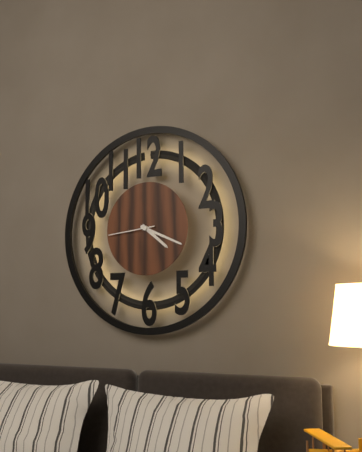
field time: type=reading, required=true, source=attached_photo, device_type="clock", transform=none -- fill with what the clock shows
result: 4:19
